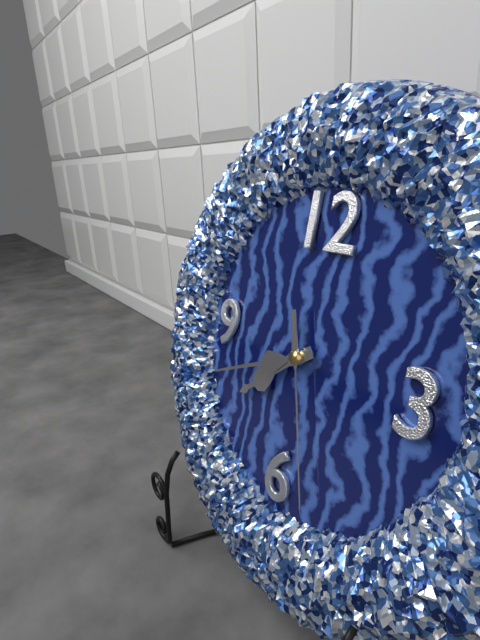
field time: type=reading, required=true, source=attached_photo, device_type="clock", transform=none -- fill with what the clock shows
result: 7:41:27
